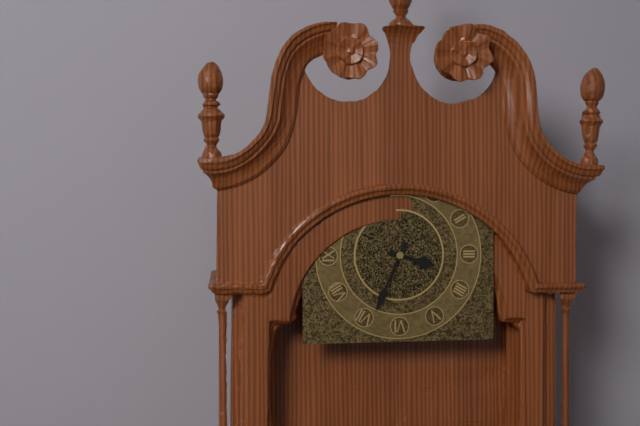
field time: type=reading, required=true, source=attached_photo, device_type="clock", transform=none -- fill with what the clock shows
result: 3:34
